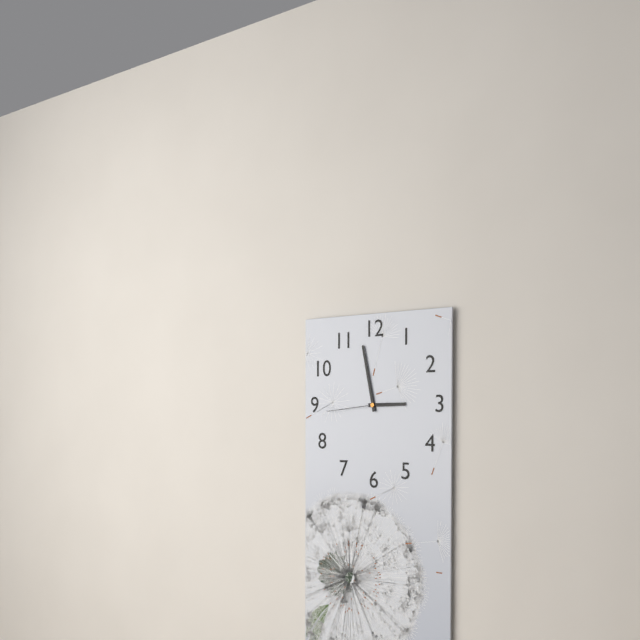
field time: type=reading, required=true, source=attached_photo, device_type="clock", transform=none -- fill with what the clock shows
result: 2:58:44
